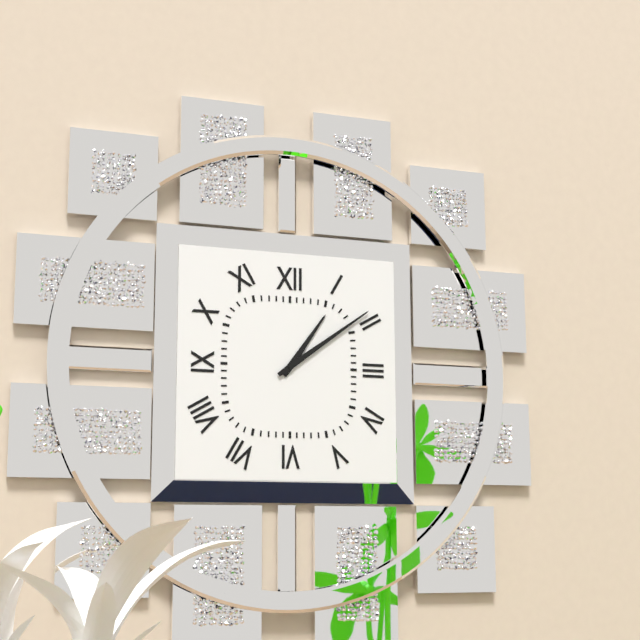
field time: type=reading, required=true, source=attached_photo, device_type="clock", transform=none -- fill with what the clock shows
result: 1:09
